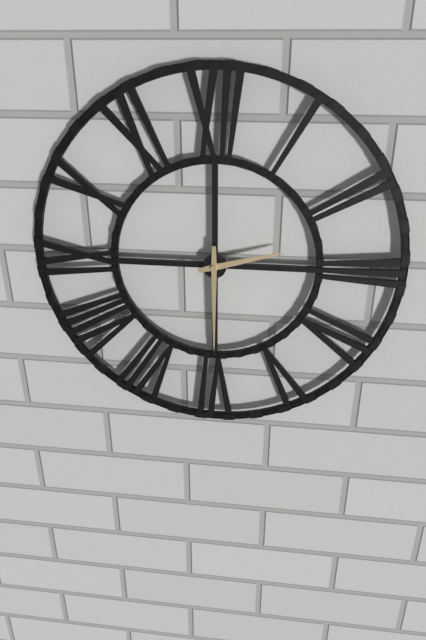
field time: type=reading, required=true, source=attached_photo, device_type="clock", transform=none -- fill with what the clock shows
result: 2:30
